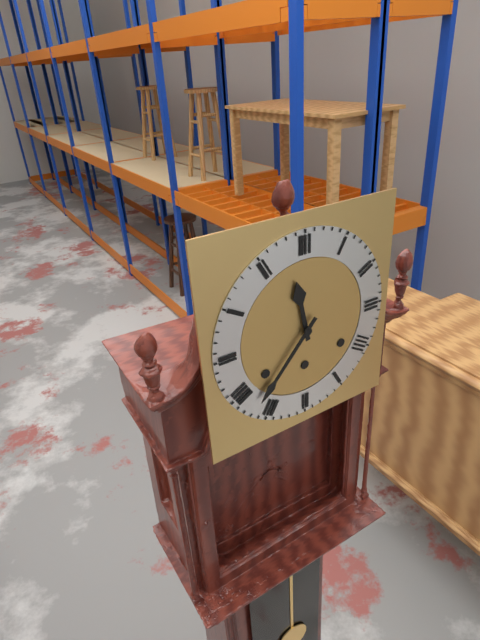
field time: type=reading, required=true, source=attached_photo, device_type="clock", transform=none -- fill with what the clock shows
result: 11:37
